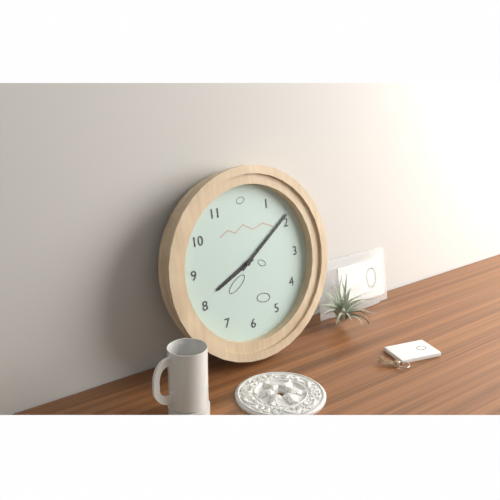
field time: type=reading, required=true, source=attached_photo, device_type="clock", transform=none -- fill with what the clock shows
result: 8:09
